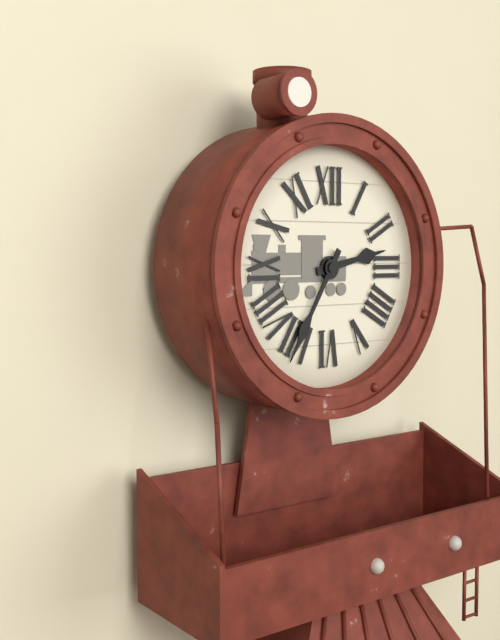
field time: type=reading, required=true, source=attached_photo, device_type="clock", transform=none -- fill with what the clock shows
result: 2:35
